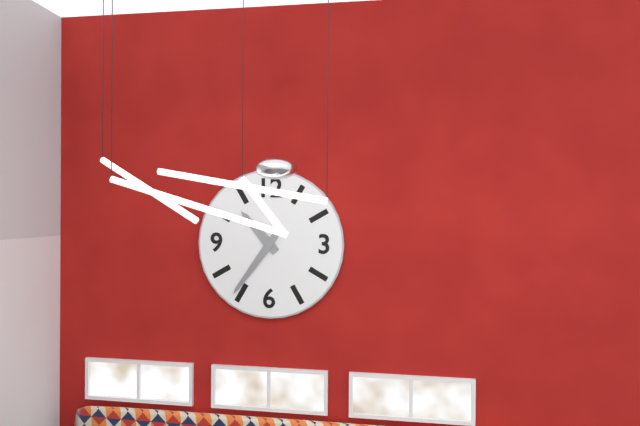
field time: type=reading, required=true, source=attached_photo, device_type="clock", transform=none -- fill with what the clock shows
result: 10:36
